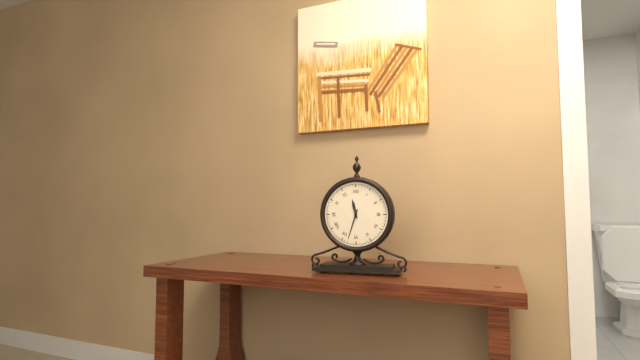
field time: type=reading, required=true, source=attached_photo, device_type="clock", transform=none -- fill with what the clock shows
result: 11:33
